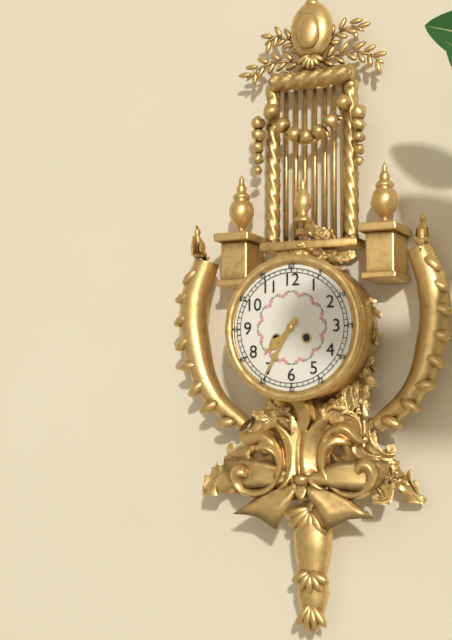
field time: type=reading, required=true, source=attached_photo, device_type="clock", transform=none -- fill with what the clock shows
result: 7:35
